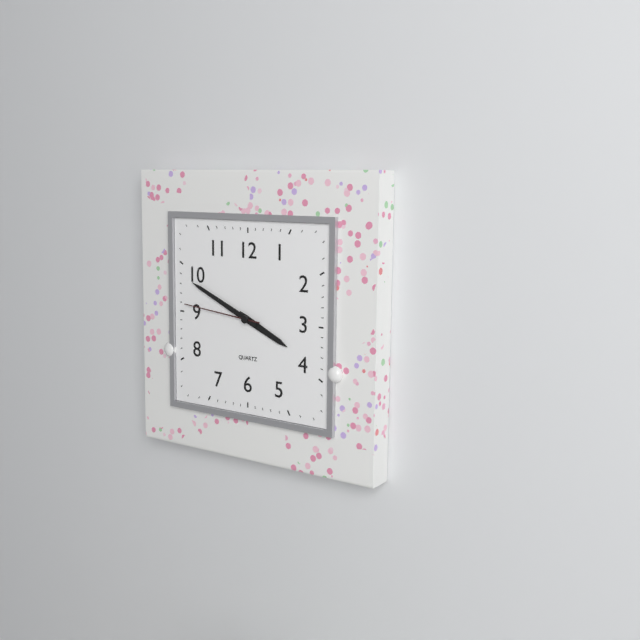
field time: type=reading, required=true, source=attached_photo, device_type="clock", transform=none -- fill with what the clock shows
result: 3:49:46
